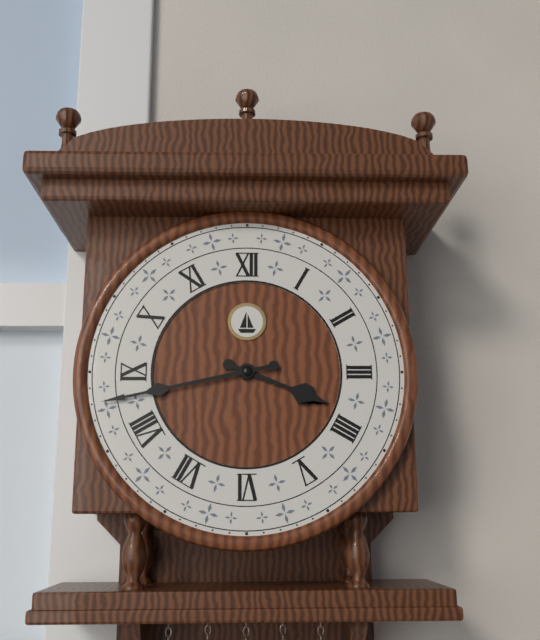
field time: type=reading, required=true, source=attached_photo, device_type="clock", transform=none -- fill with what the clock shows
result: 3:43
